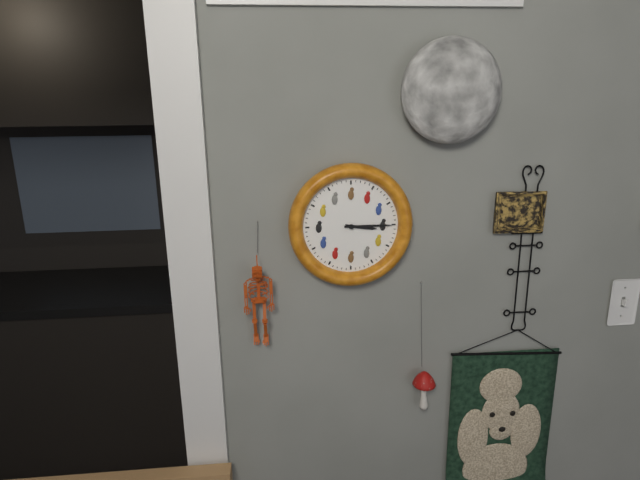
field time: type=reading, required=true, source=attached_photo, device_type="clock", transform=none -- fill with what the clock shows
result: 3:15
